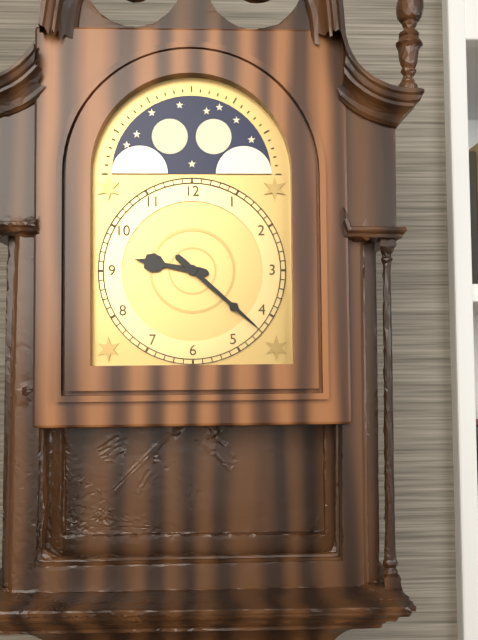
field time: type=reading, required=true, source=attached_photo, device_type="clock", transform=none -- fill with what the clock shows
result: 9:22
